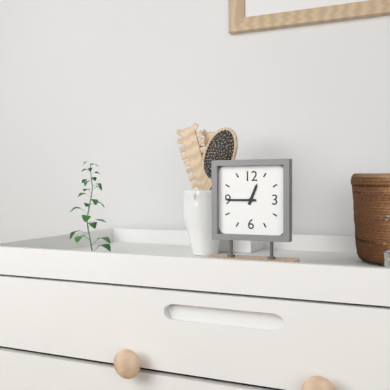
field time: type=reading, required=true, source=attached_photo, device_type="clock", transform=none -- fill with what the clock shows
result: 12:45
